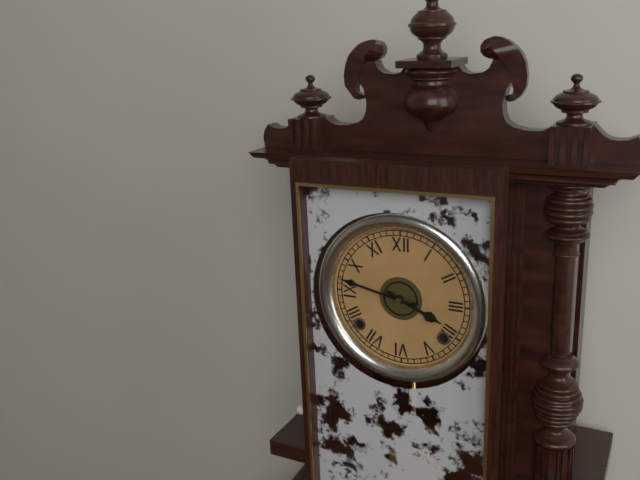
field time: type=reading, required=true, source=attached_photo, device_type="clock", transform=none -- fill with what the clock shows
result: 3:47
